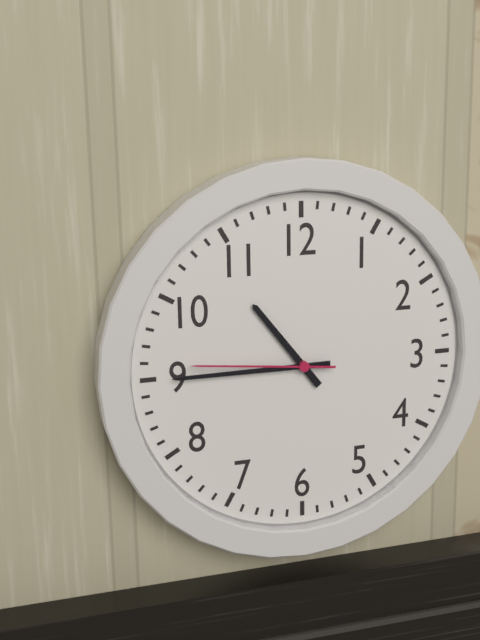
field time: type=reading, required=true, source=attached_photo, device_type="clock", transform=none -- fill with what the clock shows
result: 10:45:46
